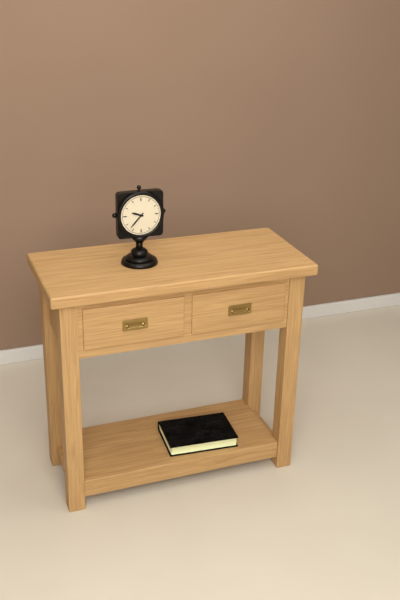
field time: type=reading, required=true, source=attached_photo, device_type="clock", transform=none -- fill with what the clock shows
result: 9:37
